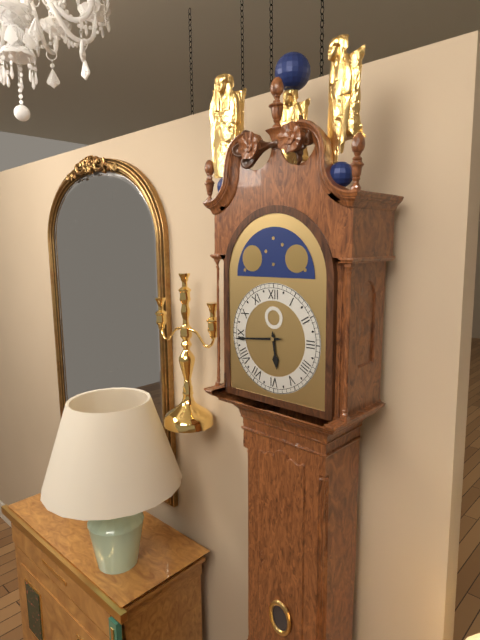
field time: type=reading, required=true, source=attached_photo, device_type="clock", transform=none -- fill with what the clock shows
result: 5:44
